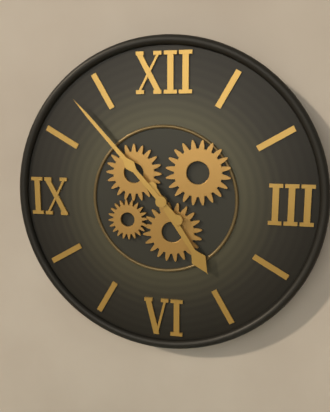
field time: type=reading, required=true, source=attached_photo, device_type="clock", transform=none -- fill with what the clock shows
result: 4:53
